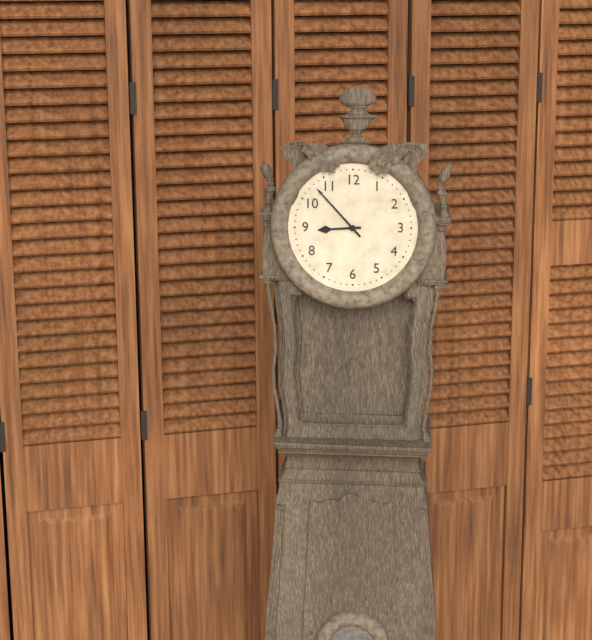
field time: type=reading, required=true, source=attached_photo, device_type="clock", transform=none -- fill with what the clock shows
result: 8:53
